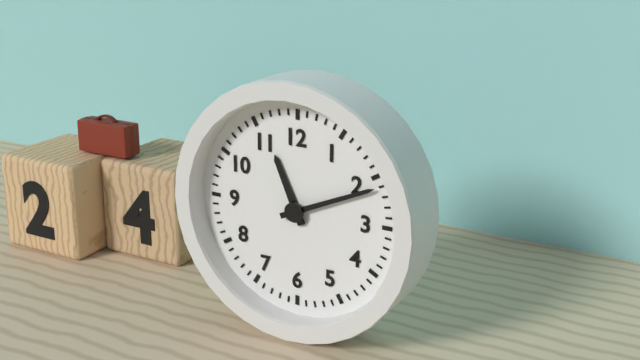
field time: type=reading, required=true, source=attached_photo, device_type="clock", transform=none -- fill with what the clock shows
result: 11:11
